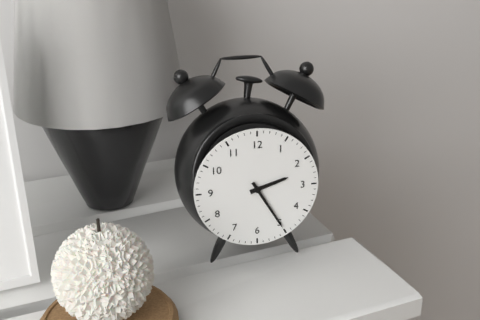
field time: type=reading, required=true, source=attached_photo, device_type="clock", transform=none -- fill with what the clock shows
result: 2:25
